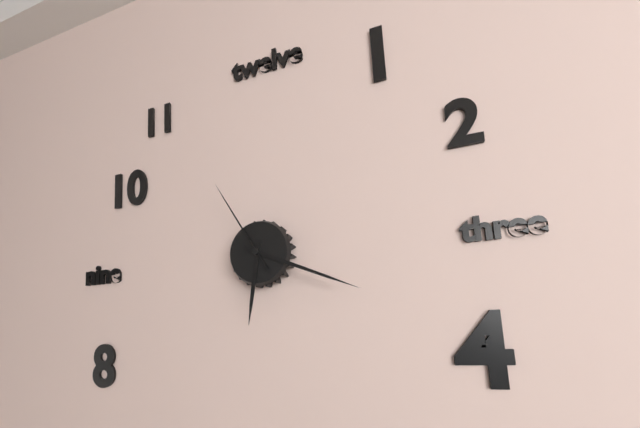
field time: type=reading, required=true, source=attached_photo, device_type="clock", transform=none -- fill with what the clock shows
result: 6:19:55
